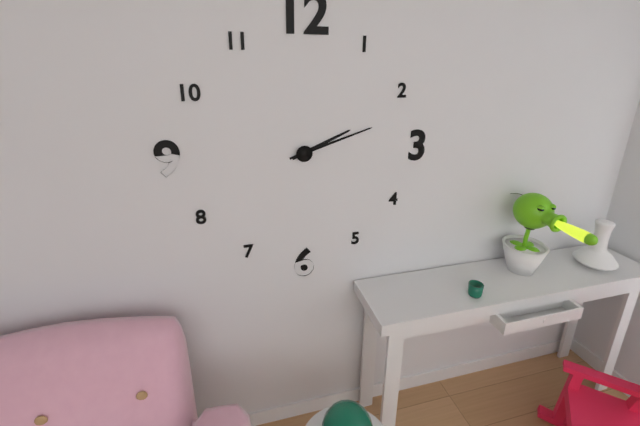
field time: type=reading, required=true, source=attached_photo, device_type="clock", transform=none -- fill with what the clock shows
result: 2:12
